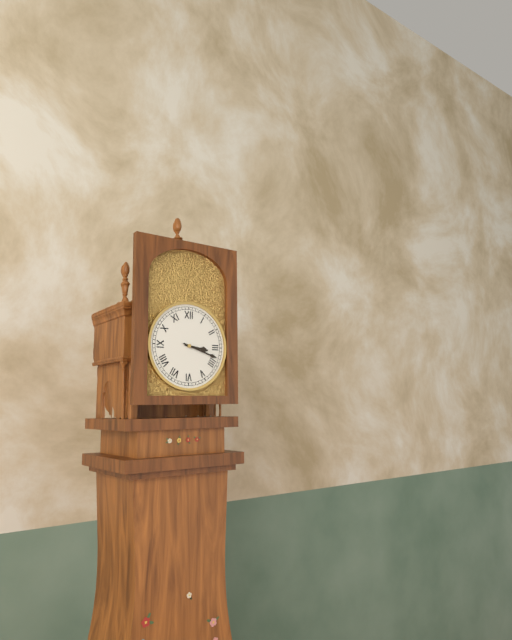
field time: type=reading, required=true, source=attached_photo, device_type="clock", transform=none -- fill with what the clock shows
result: 3:18
